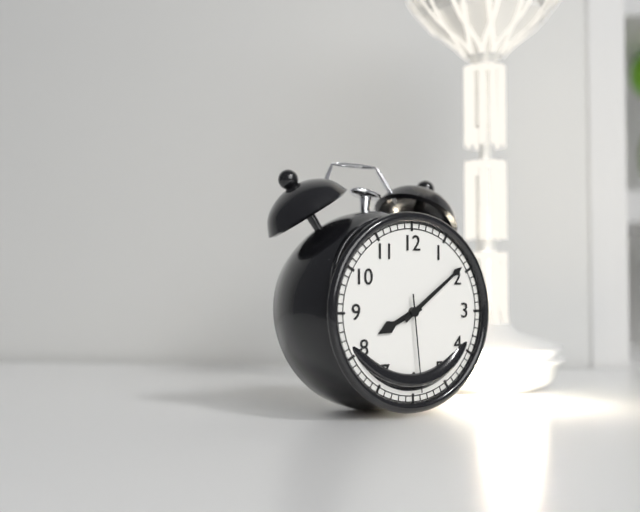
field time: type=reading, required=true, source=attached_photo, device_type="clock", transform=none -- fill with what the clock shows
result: 8:09:29
